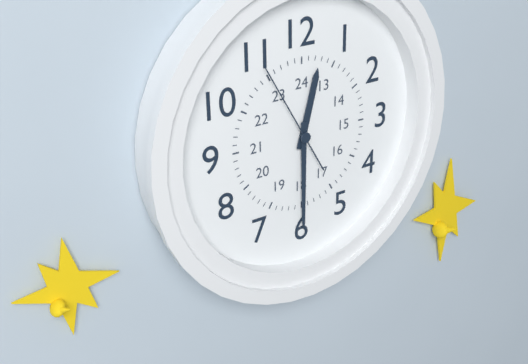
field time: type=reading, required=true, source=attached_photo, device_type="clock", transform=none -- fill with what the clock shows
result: 12:30:55
